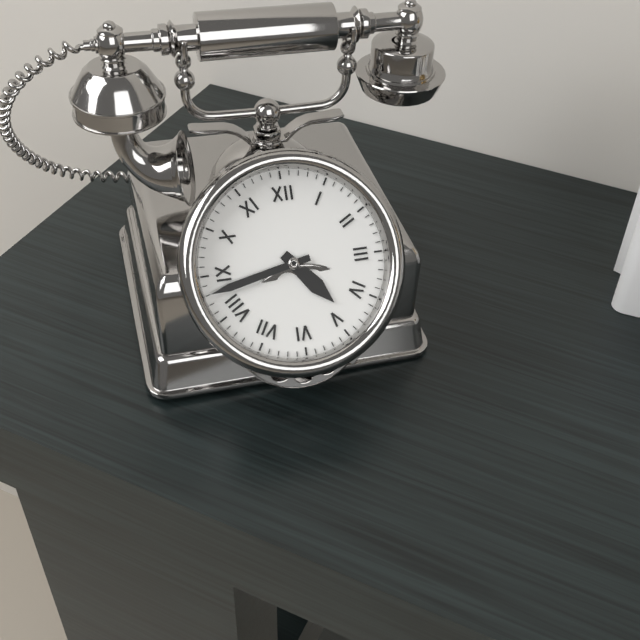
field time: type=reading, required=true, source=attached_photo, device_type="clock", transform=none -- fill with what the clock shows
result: 4:43
